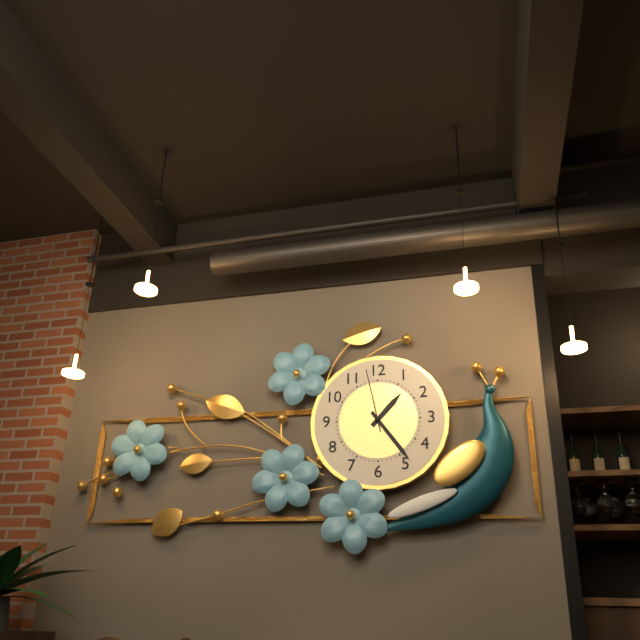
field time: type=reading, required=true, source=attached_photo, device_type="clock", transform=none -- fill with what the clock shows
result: 1:24:58
